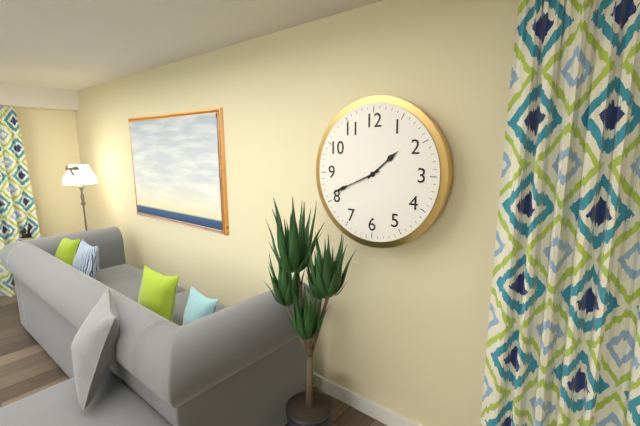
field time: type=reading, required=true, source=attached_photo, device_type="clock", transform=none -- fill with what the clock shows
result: 1:41
